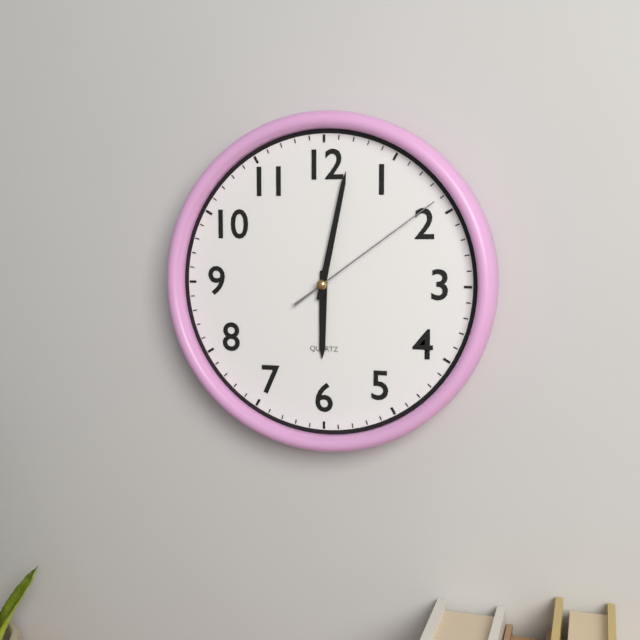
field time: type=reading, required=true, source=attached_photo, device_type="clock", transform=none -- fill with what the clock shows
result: 6:02:09
